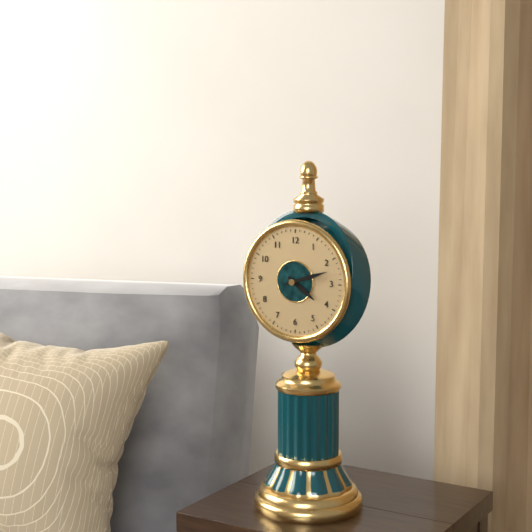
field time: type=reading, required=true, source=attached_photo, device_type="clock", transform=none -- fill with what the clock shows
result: 4:12
